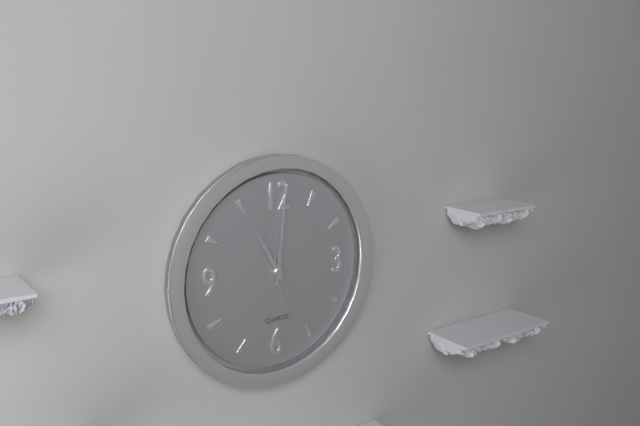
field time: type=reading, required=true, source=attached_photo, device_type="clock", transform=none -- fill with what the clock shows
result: 11:01:57
